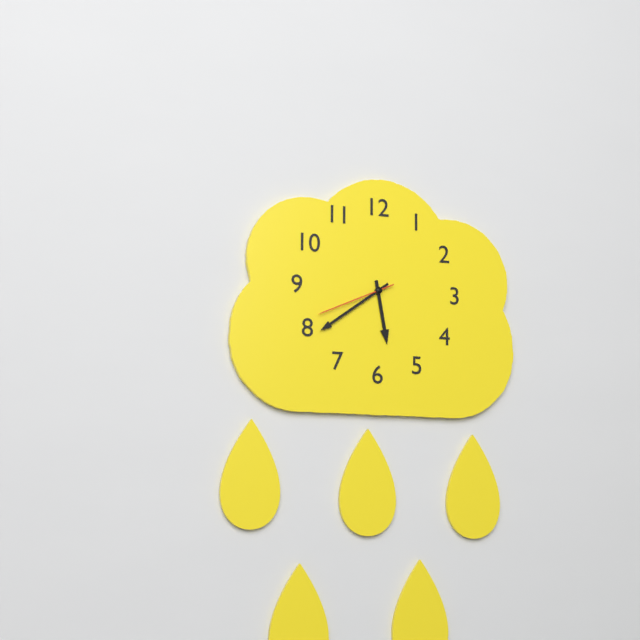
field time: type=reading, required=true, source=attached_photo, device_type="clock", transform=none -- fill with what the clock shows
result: 5:39:41
